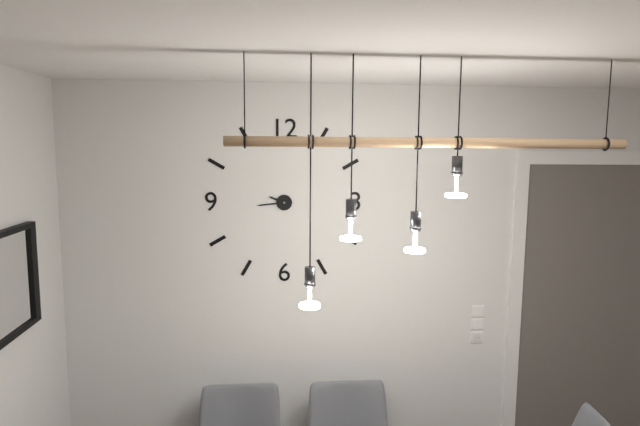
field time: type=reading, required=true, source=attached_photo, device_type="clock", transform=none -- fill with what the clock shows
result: 9:44
